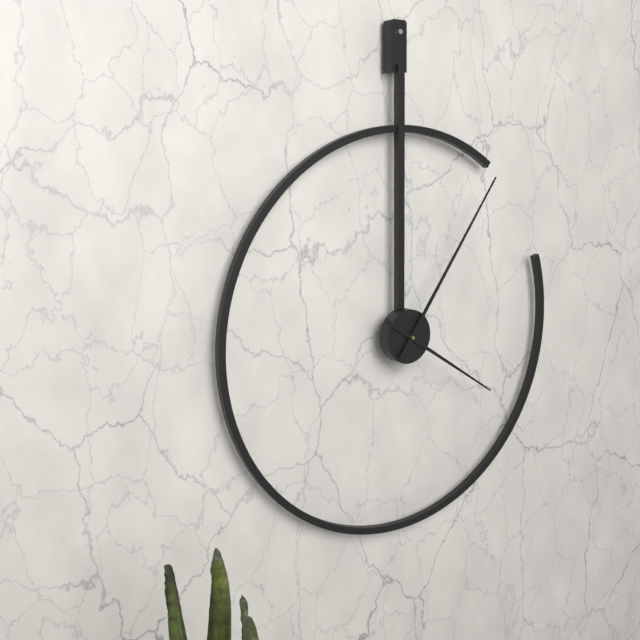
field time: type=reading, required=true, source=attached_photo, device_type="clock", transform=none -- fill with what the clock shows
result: 4:06
